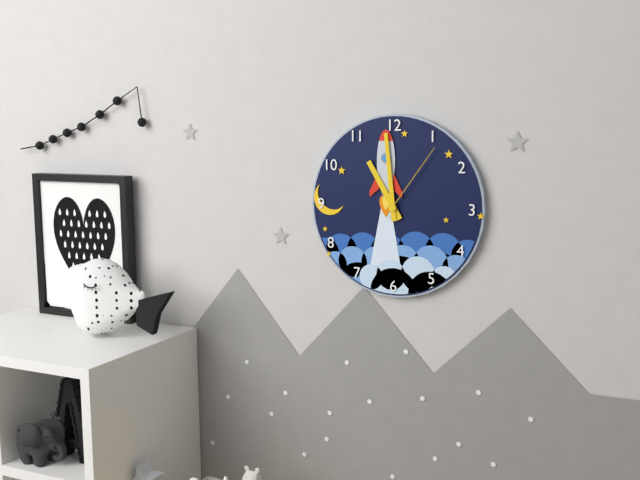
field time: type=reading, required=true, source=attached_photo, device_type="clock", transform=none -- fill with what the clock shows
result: 10:59:06
